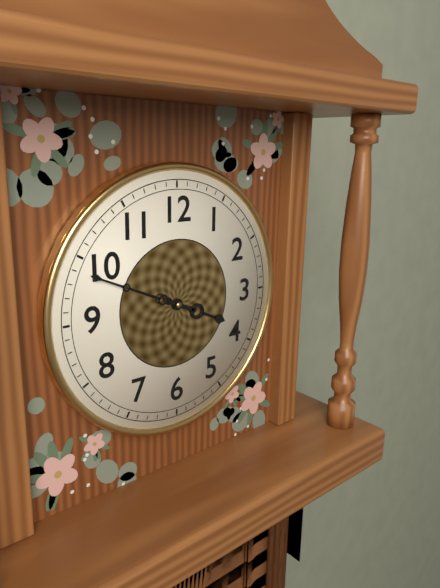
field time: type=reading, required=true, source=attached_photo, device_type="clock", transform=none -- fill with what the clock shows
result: 3:49
